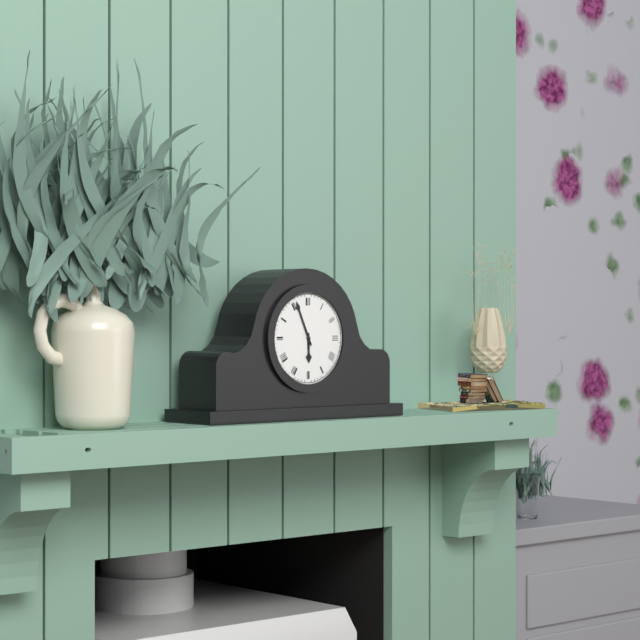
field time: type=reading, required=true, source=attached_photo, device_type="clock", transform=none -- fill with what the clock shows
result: 5:56
